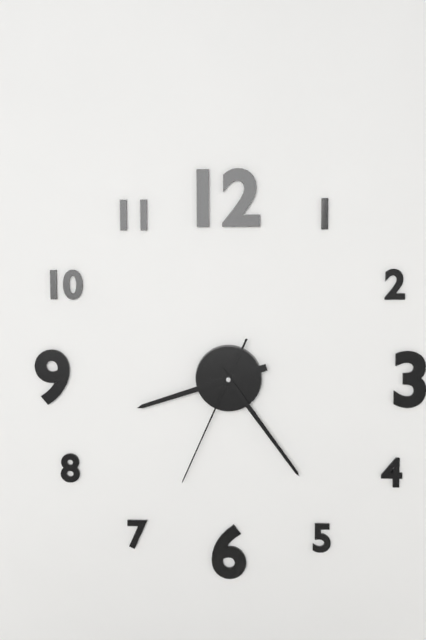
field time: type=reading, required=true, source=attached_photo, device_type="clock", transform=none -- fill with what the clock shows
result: 8:24:34
